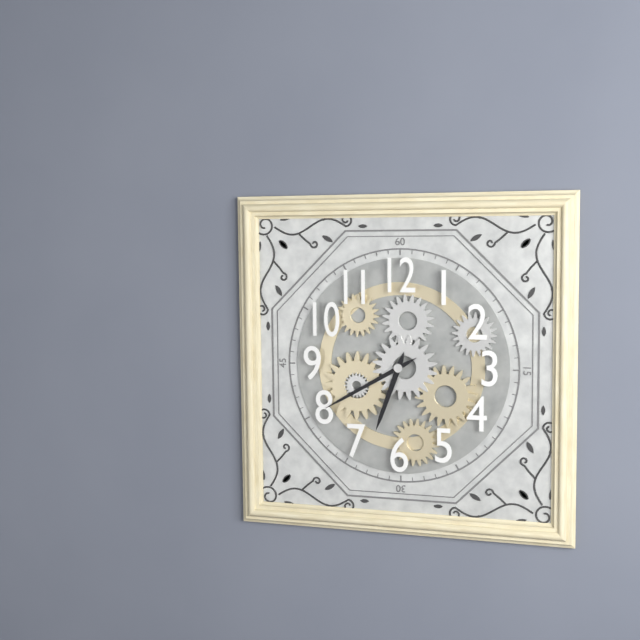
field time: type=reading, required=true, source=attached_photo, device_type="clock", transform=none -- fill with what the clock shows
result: 6:40
